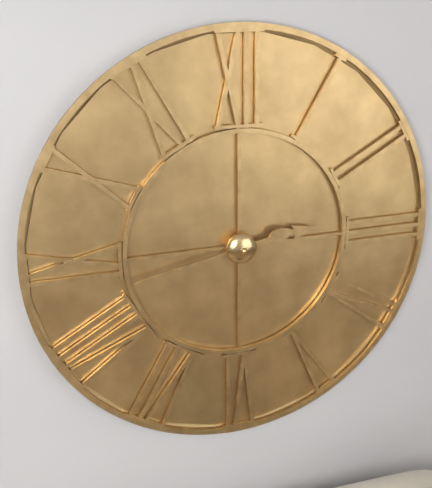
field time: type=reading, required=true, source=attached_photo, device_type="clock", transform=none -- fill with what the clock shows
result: 2:43
